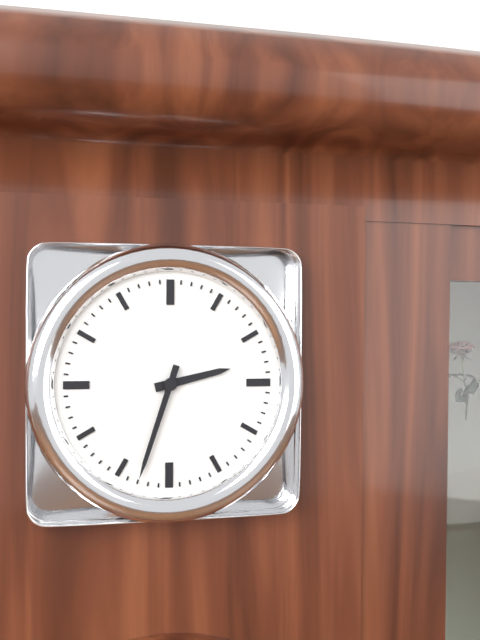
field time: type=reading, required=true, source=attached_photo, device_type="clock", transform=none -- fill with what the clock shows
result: 2:33
